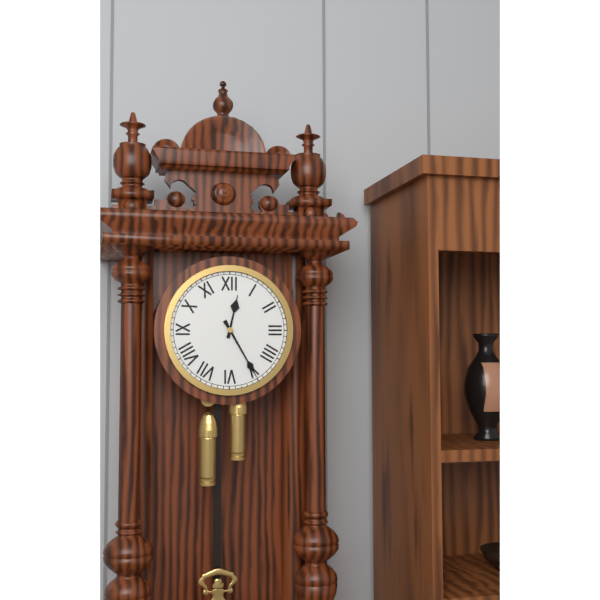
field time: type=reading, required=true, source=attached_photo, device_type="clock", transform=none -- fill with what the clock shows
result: 12:25
